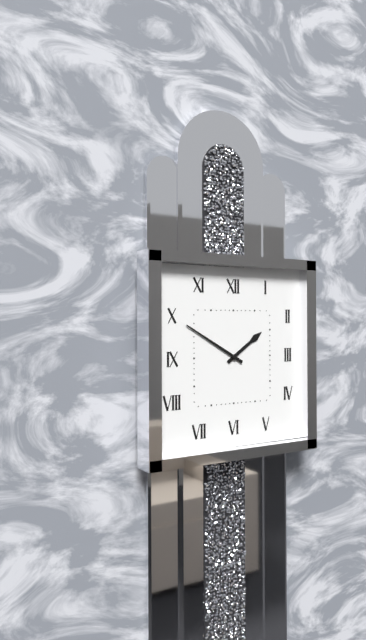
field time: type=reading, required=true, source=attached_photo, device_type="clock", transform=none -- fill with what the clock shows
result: 1:50
